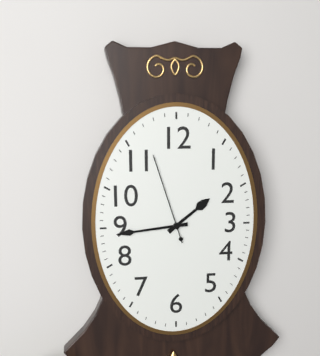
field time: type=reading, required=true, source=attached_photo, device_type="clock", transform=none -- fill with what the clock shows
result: 1:44:57
